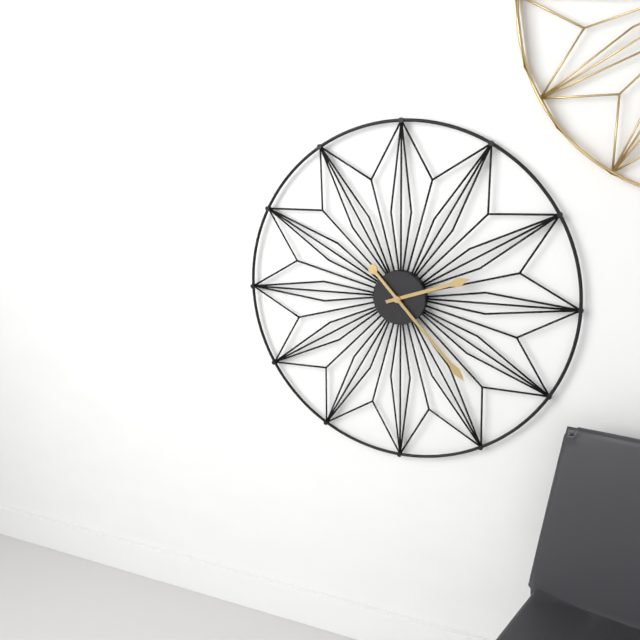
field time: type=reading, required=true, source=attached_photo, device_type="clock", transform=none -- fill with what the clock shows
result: 2:23
